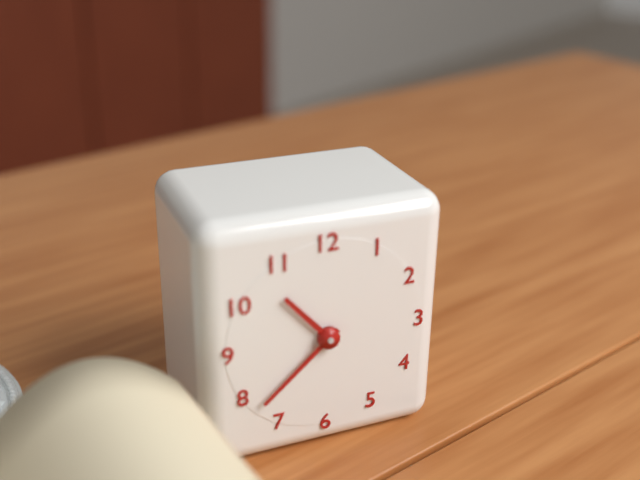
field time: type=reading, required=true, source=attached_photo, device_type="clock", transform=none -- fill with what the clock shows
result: 10:38
